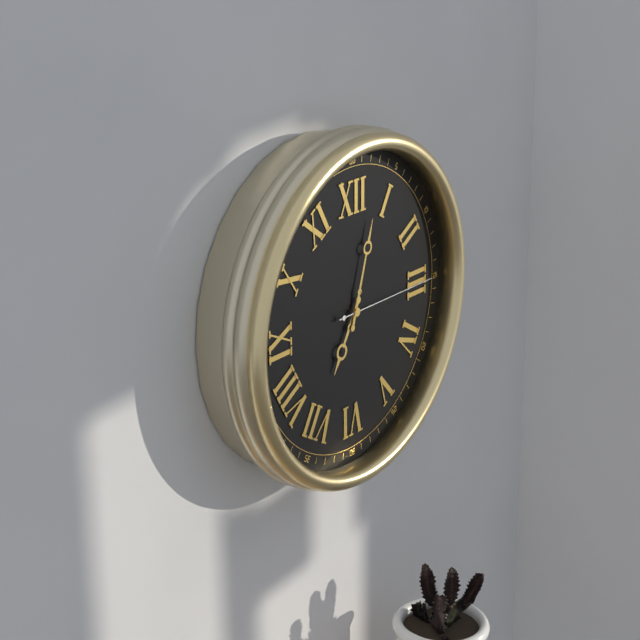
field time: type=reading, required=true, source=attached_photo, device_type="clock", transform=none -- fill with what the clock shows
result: 7:03:15
